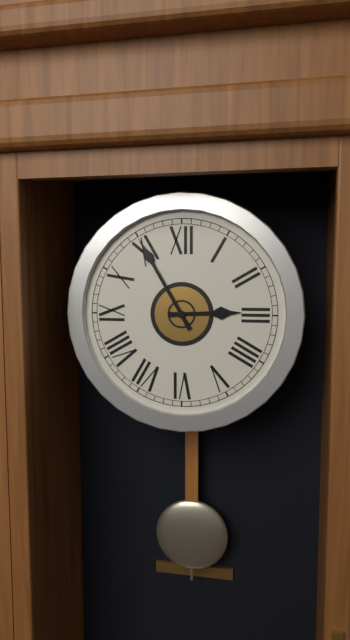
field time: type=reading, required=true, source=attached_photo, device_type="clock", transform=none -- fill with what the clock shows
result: 2:55
